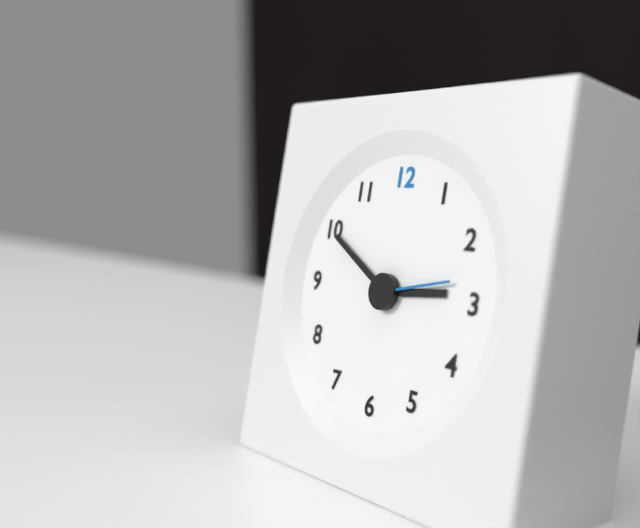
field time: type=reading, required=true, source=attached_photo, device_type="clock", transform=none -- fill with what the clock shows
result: 2:50:13
